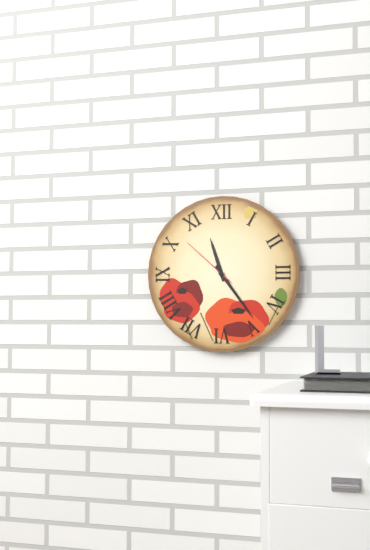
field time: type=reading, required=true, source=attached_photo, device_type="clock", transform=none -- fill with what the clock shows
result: 11:24:52
